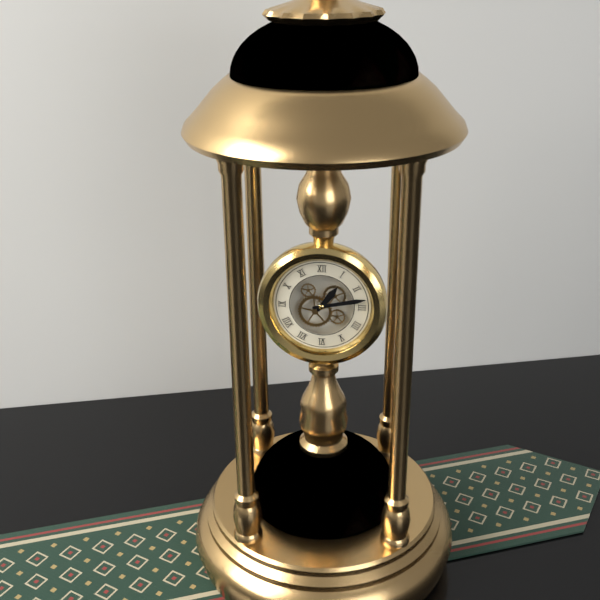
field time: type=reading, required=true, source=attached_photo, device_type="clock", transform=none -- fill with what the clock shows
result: 1:13
